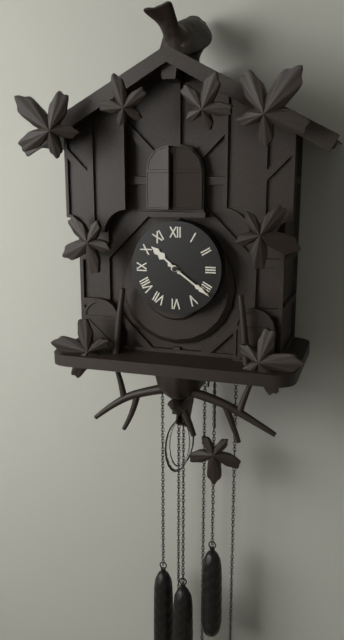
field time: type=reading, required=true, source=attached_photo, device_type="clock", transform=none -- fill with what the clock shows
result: 10:21
